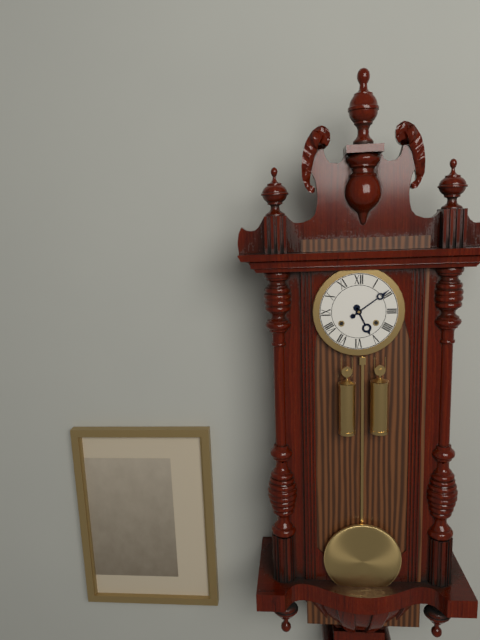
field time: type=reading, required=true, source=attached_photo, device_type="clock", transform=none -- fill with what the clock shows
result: 5:09
